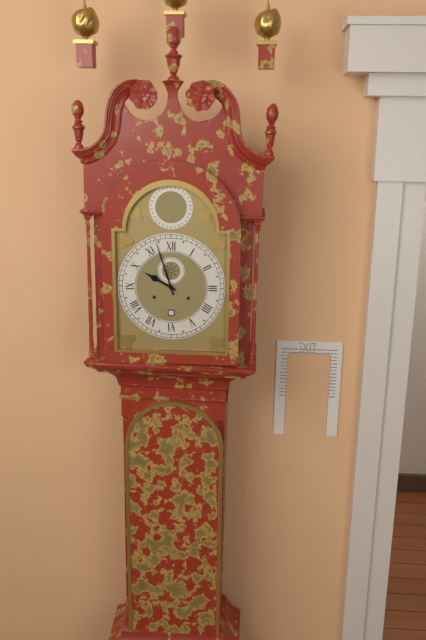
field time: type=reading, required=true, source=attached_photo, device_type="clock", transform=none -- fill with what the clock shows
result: 9:57
